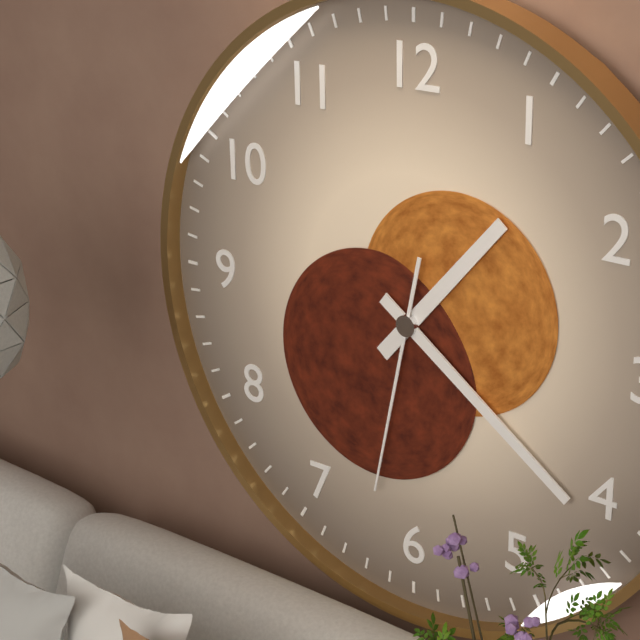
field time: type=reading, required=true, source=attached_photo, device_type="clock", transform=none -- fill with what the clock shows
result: 1:21:32
